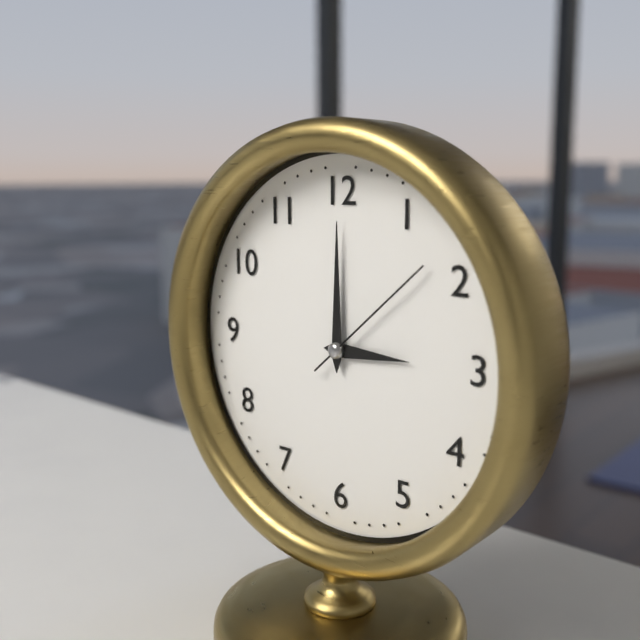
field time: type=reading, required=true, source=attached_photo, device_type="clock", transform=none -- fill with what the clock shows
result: 3:00:08
